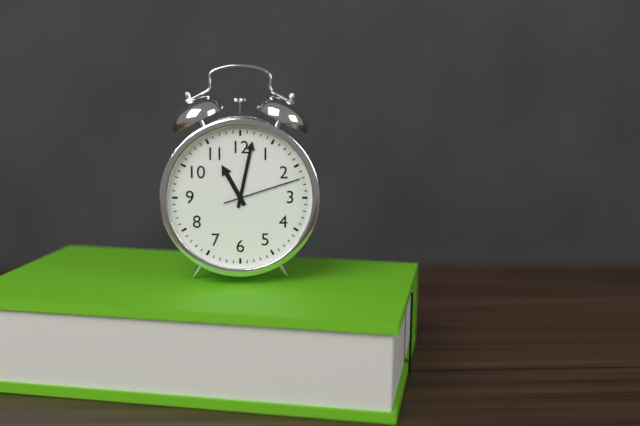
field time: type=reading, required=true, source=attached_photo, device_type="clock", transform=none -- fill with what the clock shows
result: 11:02:12
